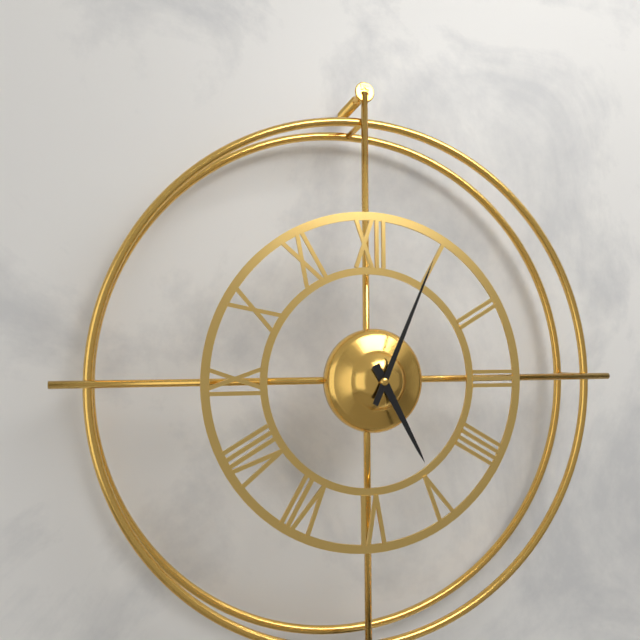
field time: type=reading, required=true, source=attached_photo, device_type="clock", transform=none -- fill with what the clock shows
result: 5:04
